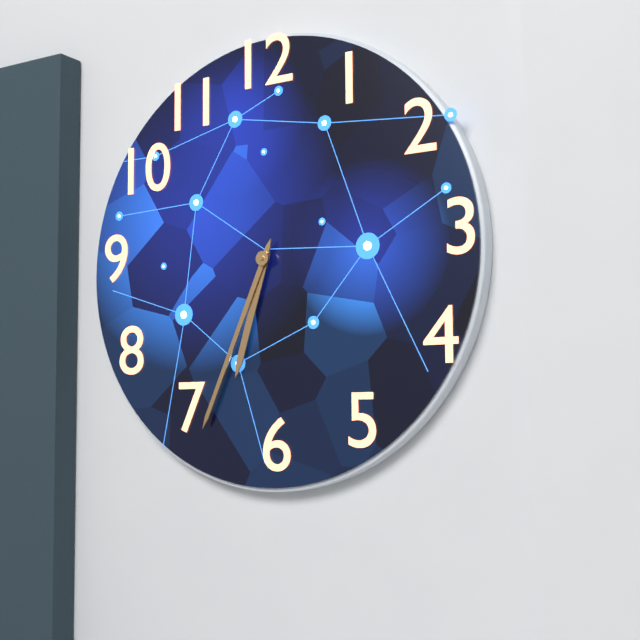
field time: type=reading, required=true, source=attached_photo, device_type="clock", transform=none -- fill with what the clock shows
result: 6:34
